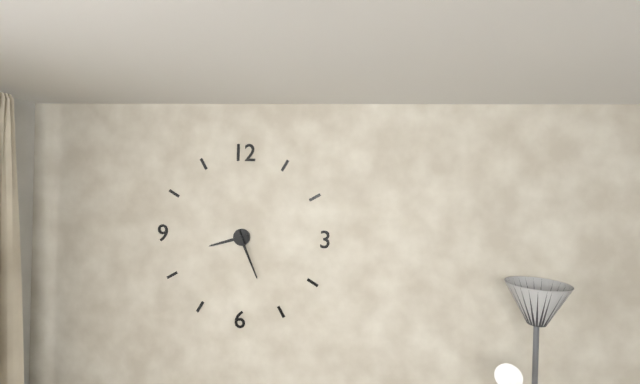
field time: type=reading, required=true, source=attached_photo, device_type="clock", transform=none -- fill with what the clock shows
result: 8:26
